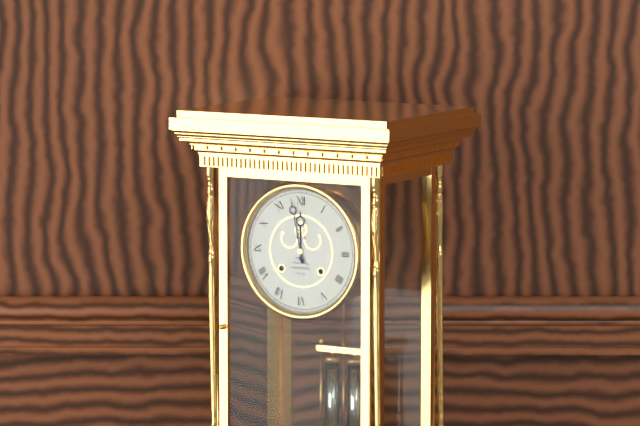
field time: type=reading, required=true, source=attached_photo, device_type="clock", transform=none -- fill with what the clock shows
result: 11:58
